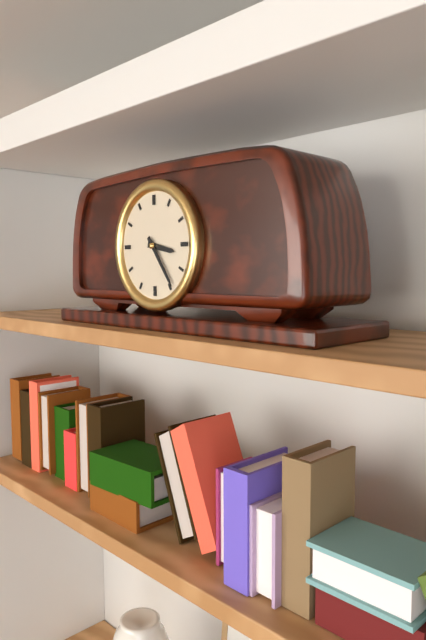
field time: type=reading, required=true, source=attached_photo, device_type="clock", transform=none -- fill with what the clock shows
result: 3:24
